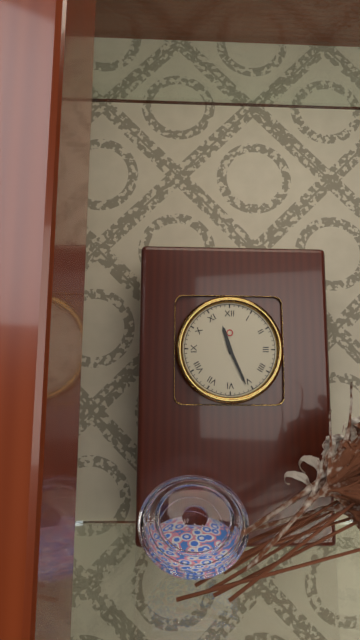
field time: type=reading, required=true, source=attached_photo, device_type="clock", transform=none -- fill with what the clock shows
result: 11:26
